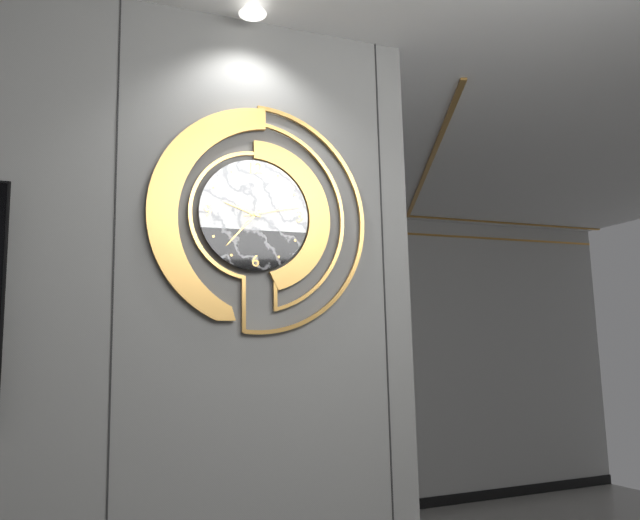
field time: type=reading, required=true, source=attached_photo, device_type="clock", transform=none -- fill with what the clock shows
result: 9:37:13
